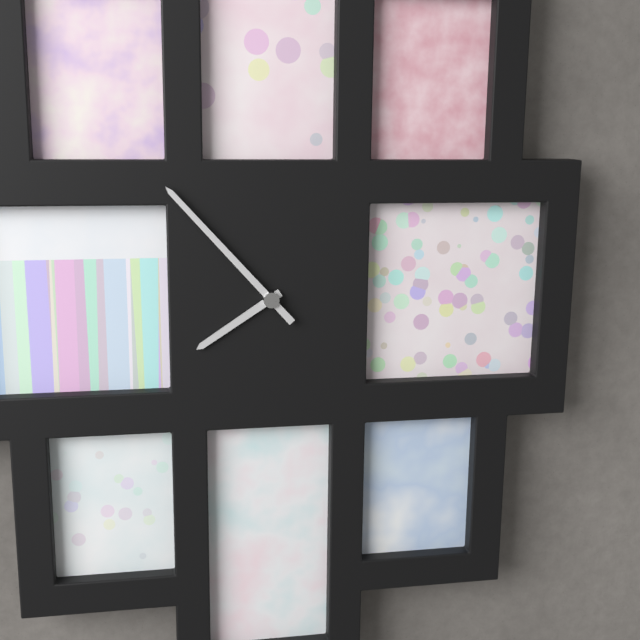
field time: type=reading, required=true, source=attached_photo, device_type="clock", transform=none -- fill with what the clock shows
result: 7:53
